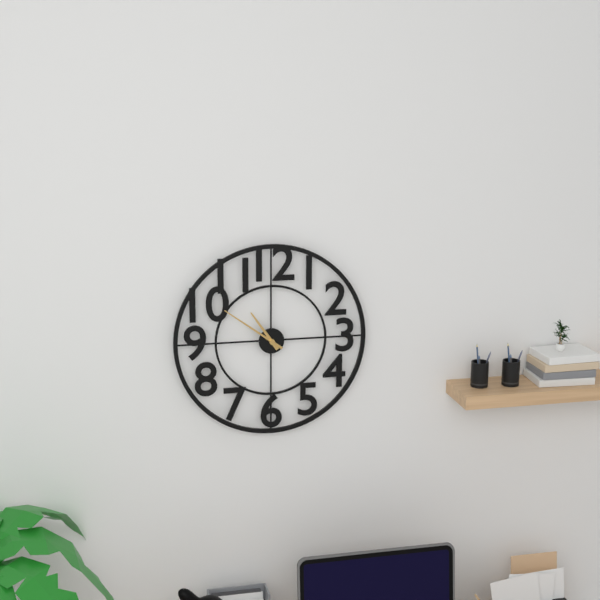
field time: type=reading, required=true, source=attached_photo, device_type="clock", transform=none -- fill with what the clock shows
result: 10:51
